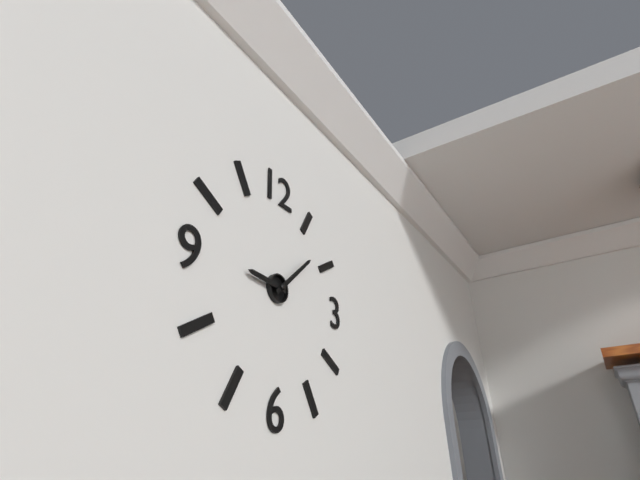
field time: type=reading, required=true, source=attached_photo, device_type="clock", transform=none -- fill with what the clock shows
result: 9:08
